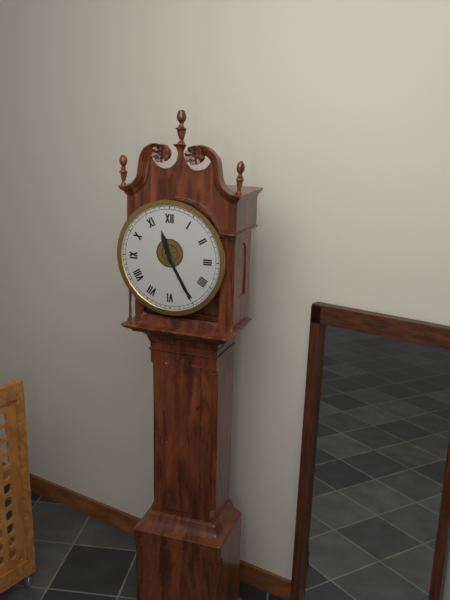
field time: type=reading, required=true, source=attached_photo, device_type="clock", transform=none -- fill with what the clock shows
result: 11:25
